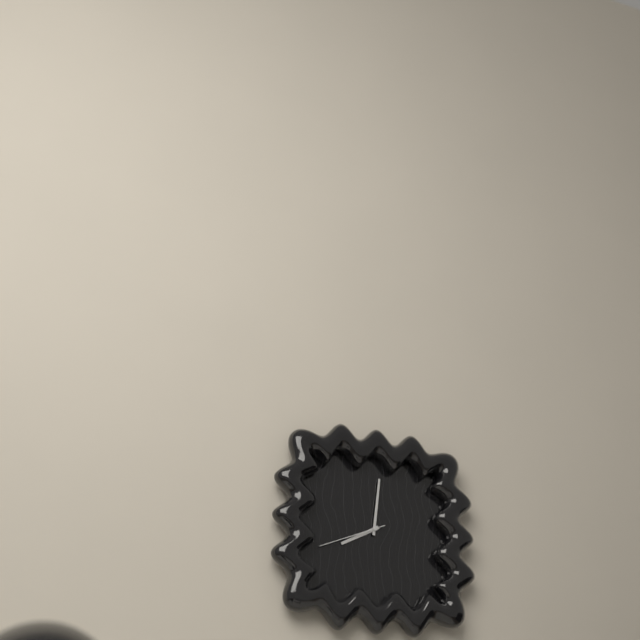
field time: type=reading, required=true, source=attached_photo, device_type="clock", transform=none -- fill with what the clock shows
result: 8:01:41
